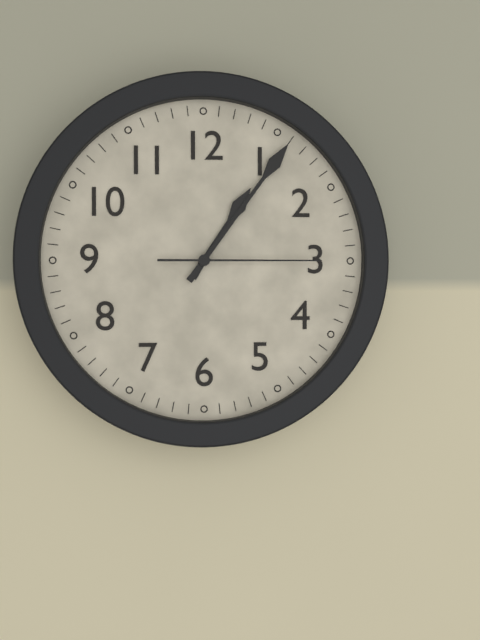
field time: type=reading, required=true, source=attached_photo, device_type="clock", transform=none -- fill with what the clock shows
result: 1:06:15
